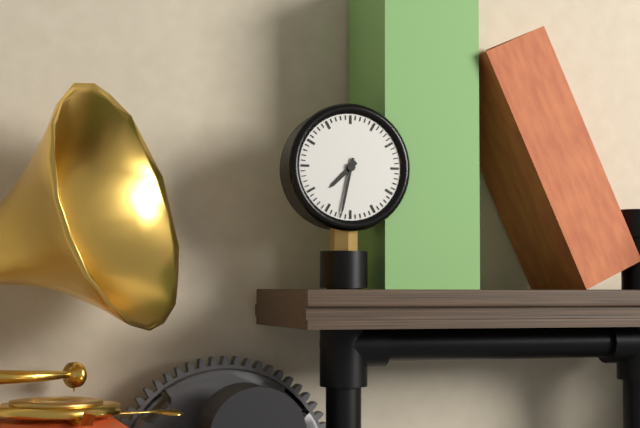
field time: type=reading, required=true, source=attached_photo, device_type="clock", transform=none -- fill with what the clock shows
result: 7:32
